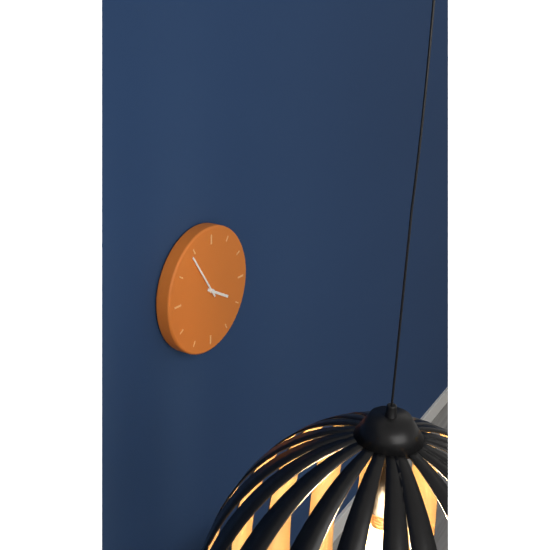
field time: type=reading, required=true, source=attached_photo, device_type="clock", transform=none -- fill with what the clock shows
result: 3:54
